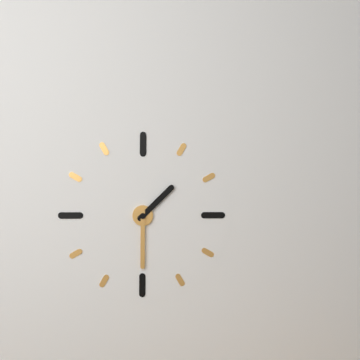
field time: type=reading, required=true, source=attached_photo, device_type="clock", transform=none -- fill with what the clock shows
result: 1:30
